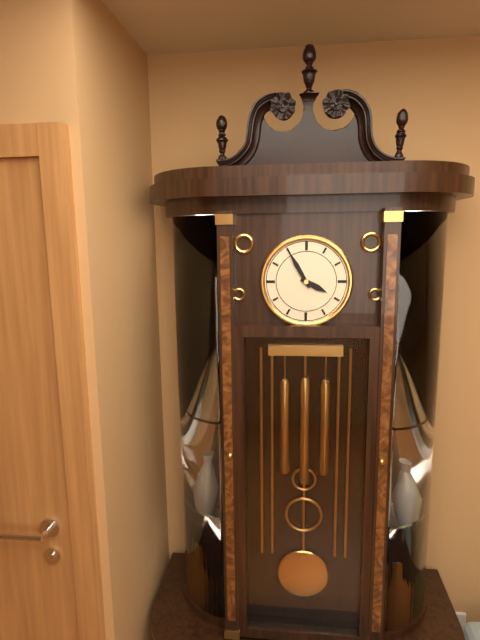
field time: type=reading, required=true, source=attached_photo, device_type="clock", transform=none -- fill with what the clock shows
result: 3:55
